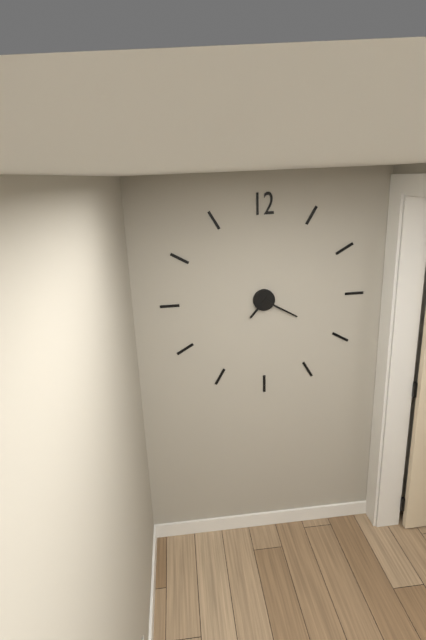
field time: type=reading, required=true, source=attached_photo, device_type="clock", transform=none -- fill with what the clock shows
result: 7:20
